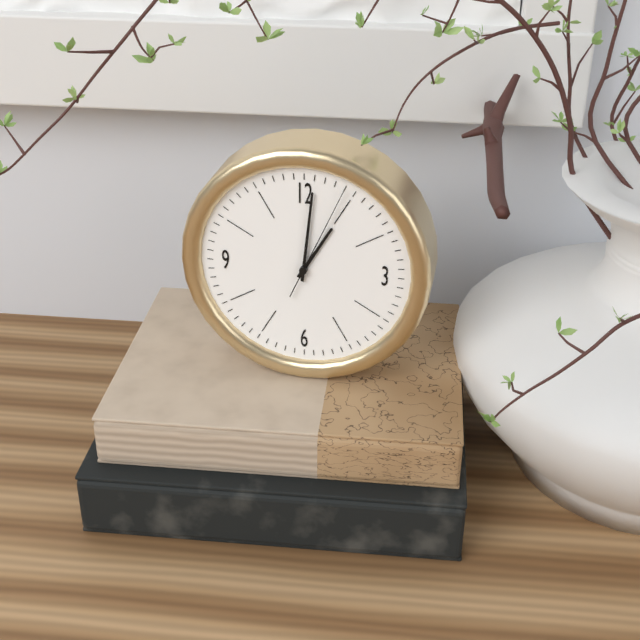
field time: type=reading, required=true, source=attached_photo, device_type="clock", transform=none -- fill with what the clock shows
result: 1:01:04
